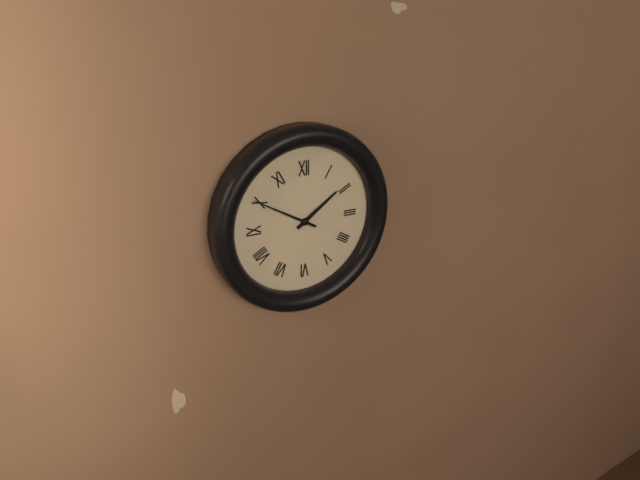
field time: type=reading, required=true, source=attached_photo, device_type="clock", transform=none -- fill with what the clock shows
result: 1:50
